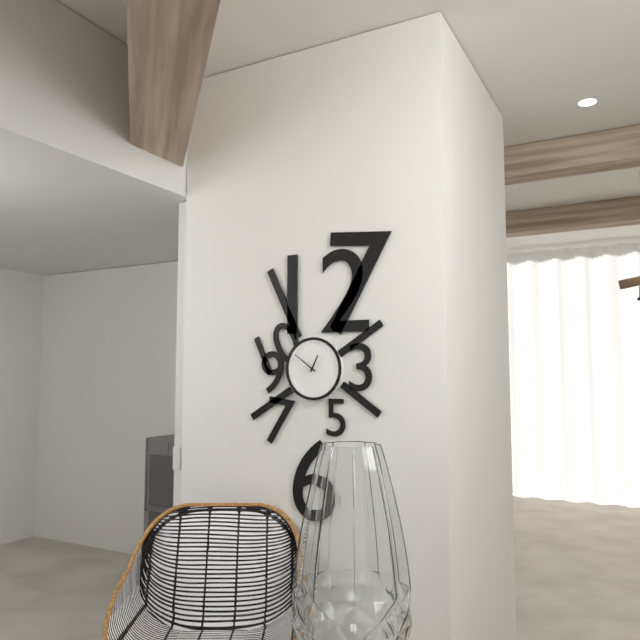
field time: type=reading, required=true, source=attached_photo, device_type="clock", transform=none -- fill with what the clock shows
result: 12:51
